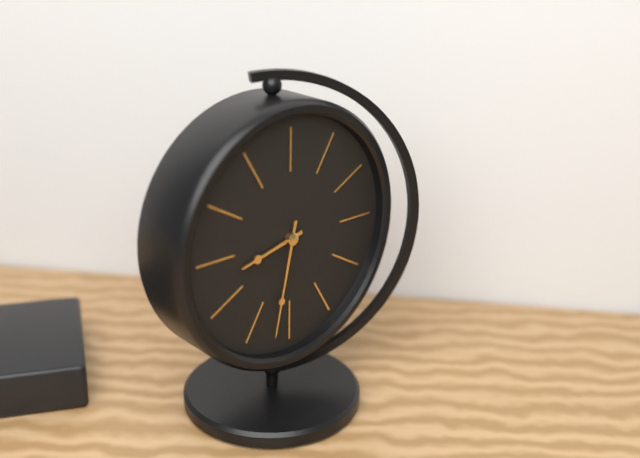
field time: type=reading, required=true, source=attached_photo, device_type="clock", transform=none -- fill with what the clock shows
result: 8:32
